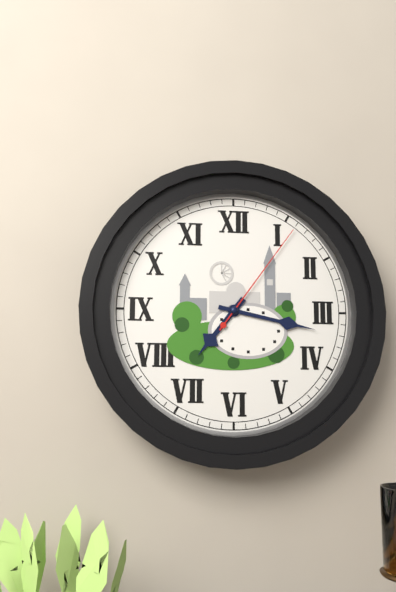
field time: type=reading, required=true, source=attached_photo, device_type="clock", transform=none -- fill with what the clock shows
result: 7:17:06
